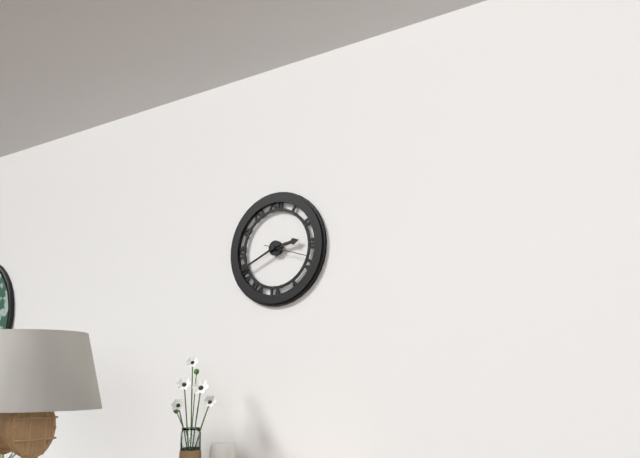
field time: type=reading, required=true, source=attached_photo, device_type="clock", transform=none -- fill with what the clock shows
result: 2:41
